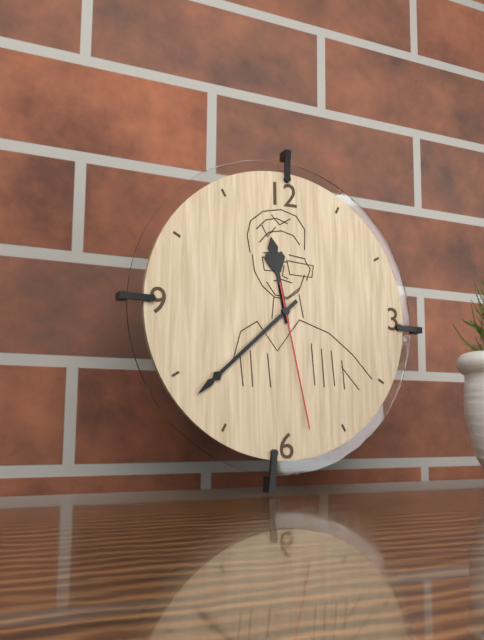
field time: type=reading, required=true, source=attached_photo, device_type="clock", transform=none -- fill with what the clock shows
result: 11:38:28
